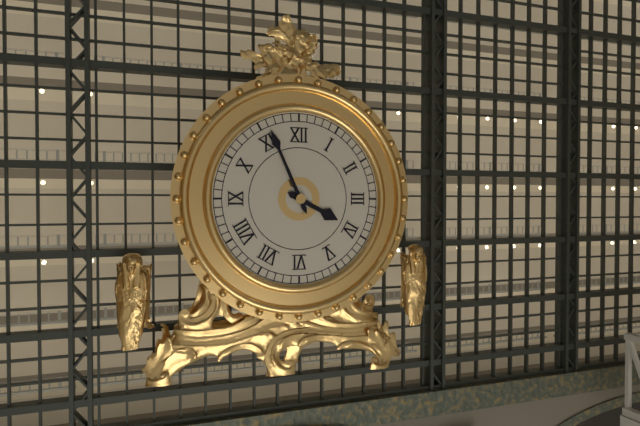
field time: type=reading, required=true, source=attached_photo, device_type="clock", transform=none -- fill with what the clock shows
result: 3:56
